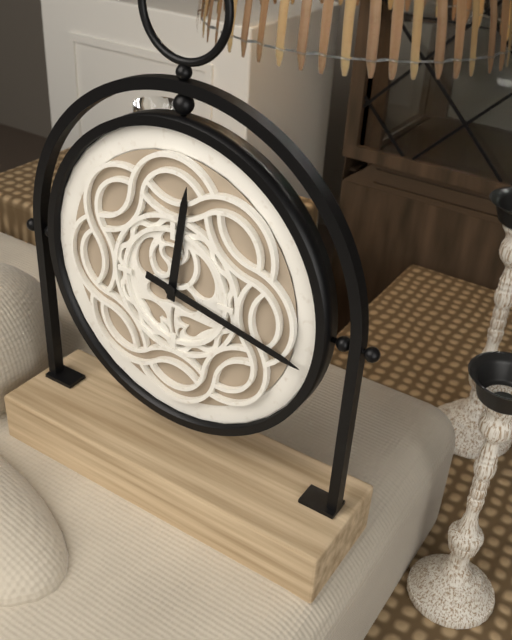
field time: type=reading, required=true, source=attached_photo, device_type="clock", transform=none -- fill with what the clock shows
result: 12:17
